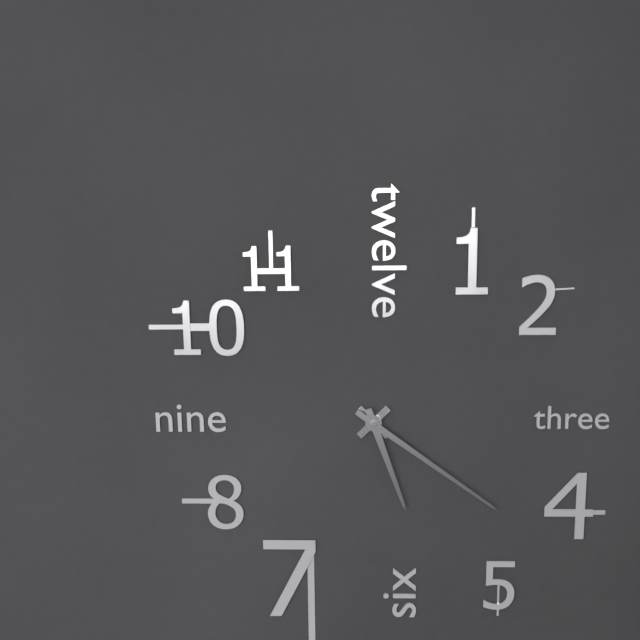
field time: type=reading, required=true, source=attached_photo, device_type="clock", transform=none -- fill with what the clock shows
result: 5:21
